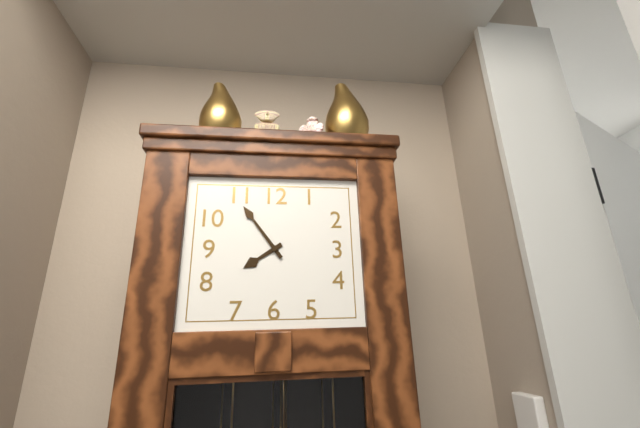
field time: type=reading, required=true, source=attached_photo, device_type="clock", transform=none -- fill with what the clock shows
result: 7:54
